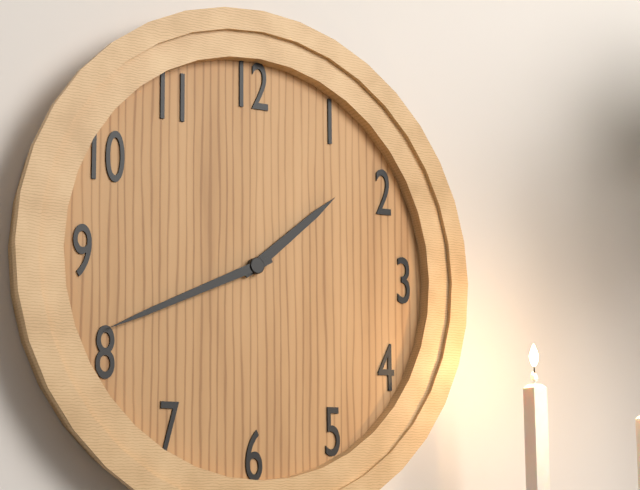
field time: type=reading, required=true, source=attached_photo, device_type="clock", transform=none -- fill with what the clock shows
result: 1:41
